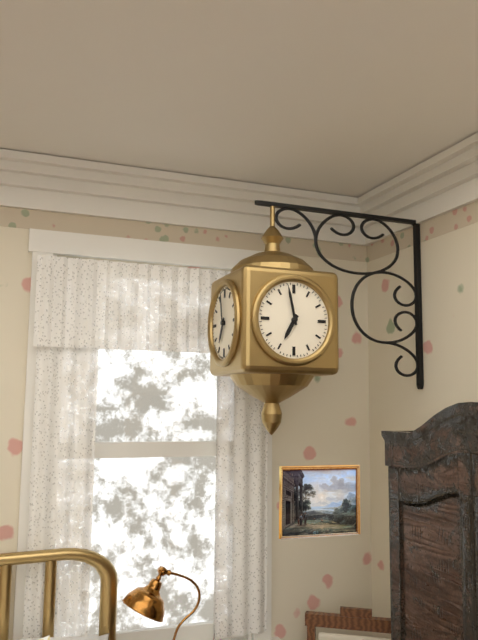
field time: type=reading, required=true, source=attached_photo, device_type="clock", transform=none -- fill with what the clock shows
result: 6:58
